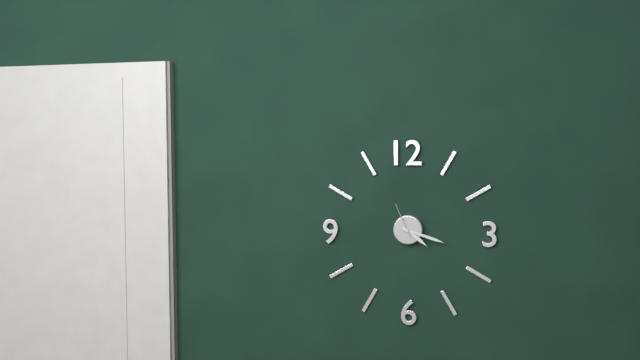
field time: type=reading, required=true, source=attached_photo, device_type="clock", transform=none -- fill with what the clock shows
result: 4:18
